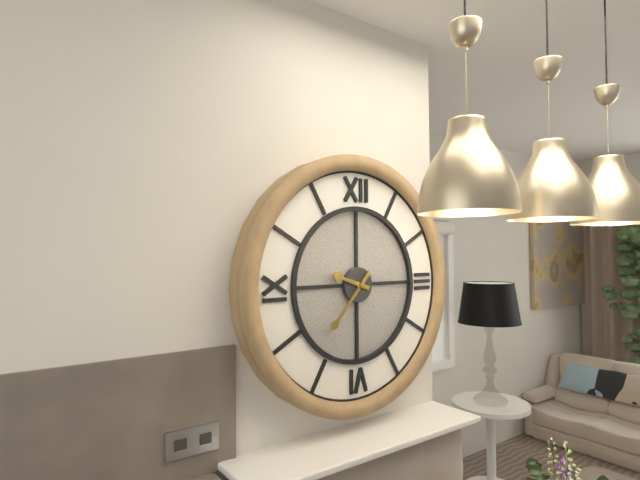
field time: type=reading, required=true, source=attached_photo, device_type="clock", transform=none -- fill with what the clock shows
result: 9:37
